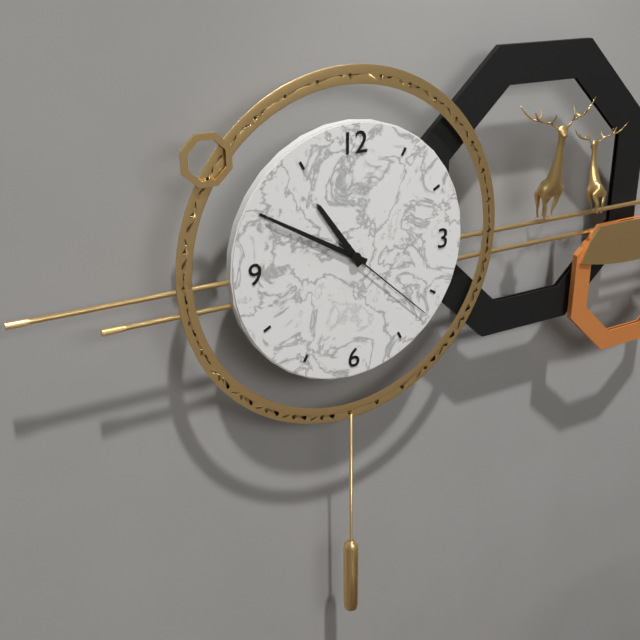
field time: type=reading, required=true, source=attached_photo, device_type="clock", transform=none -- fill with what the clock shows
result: 10:50:22
